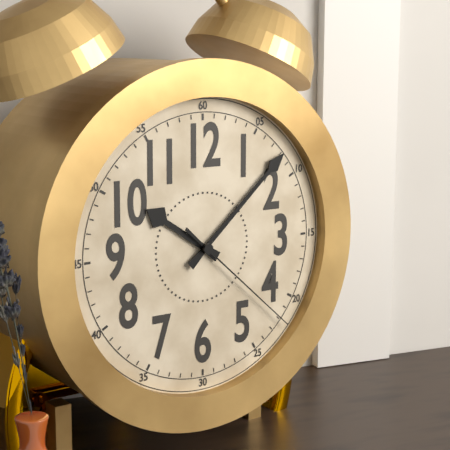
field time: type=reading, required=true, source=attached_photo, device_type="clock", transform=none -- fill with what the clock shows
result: 10:08:22
